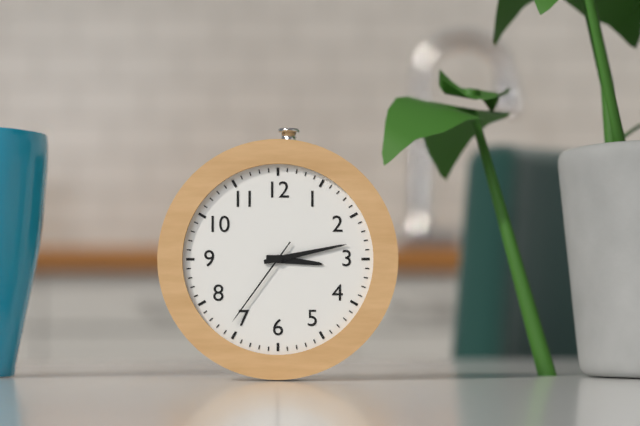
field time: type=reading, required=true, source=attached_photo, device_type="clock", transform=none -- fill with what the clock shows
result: 3:13:36
